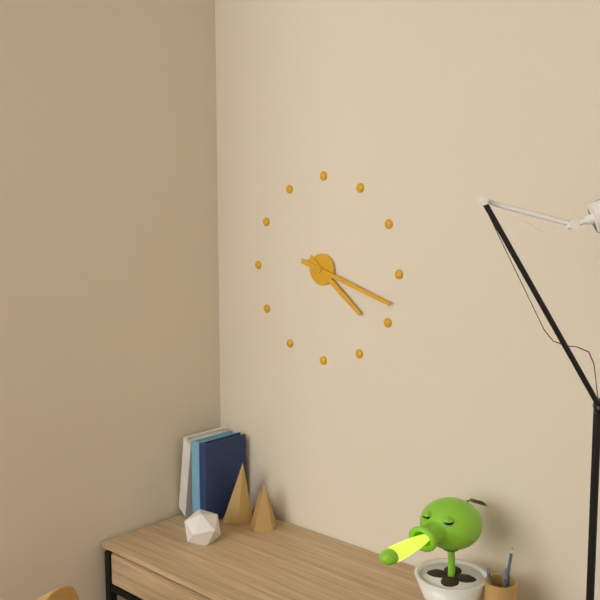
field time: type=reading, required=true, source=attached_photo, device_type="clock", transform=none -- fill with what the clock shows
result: 4:18
